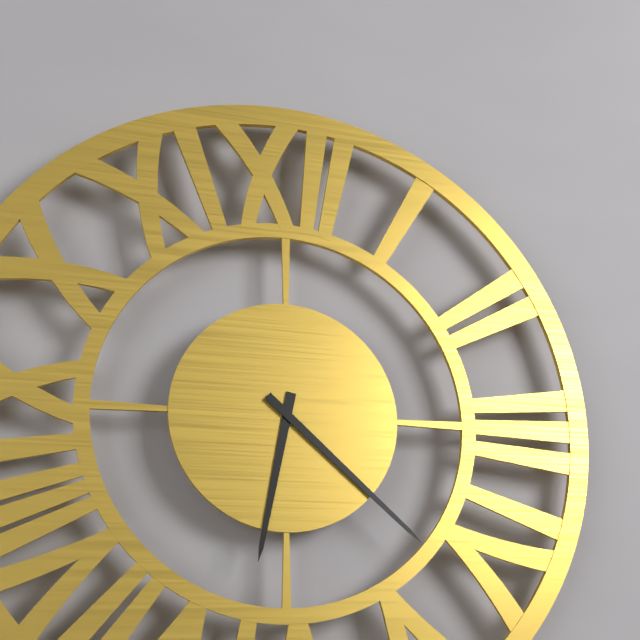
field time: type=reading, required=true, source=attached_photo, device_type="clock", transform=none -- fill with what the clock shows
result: 6:22
